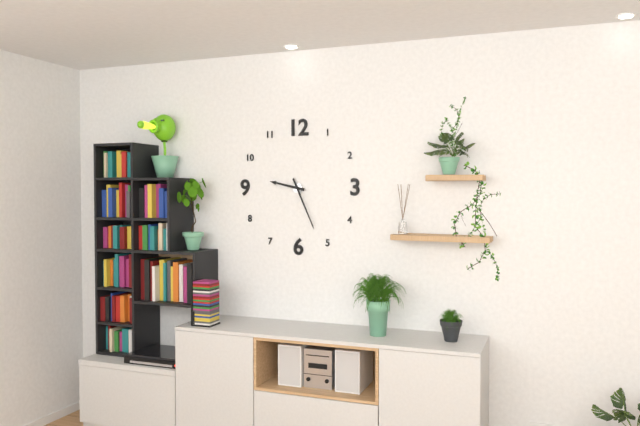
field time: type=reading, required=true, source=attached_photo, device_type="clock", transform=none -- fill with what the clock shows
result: 9:26
